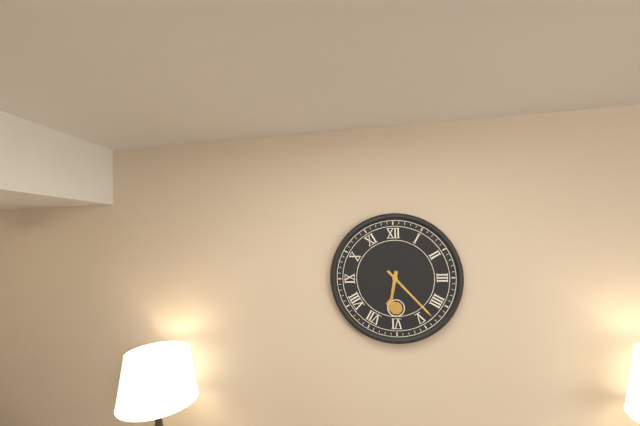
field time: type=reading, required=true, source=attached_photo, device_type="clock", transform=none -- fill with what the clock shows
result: 6:23
